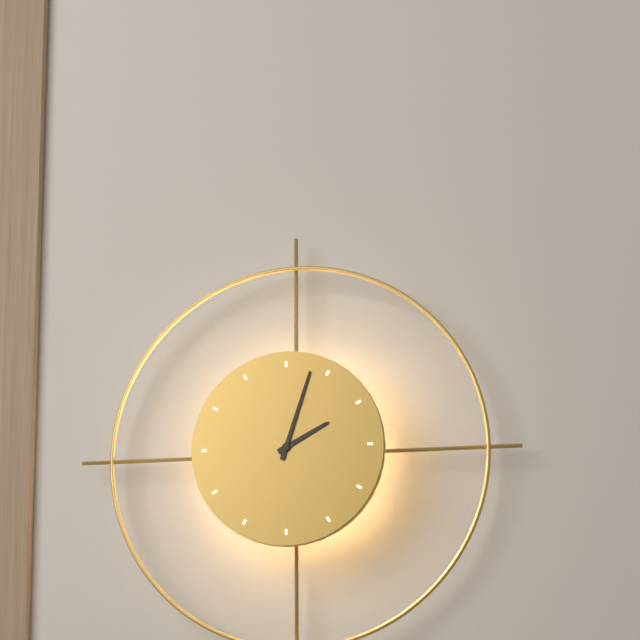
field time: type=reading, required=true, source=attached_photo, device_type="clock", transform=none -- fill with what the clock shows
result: 2:03
